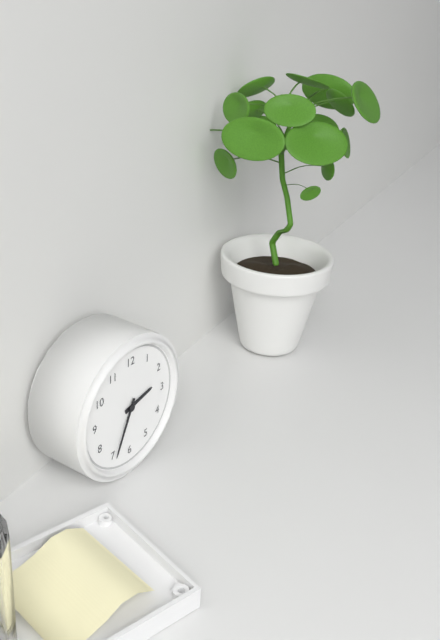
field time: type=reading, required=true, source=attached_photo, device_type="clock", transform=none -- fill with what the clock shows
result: 2:34
